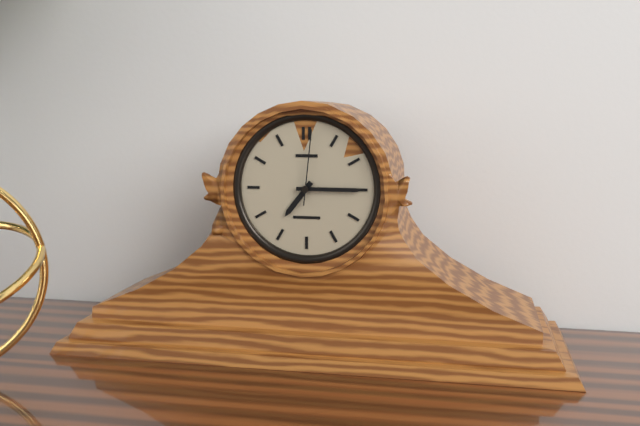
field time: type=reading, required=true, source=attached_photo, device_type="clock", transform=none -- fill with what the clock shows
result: 7:15:01
